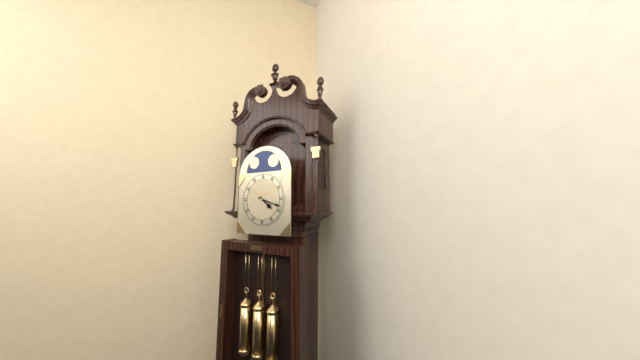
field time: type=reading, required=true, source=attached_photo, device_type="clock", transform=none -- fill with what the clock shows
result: 4:18
